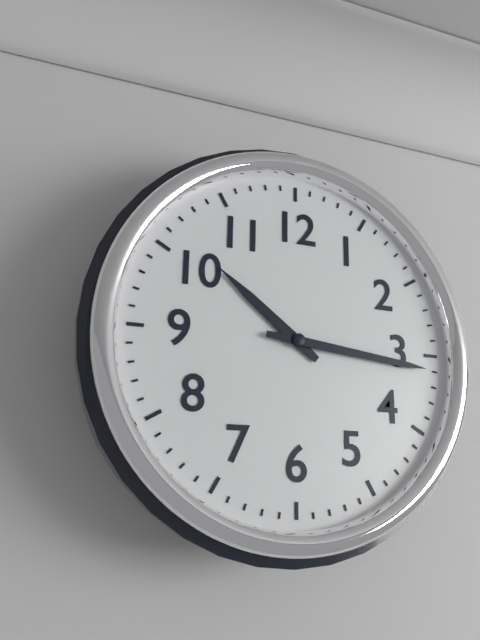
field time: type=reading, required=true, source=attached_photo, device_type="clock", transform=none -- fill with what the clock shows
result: 10:16
